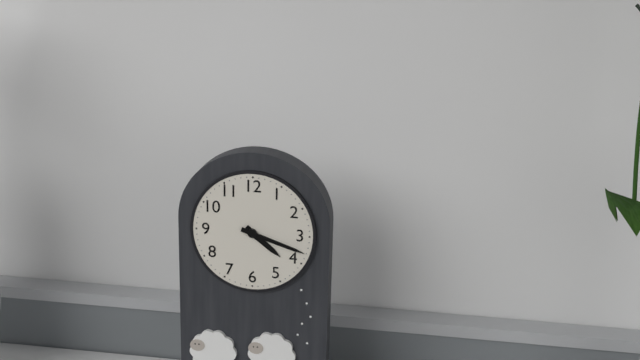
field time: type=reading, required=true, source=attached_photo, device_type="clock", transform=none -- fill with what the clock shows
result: 4:18
